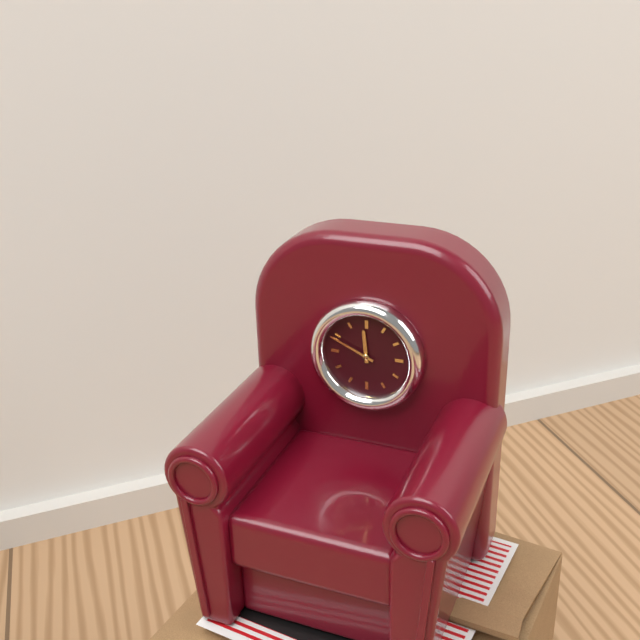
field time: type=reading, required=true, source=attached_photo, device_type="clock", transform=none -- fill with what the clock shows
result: 11:49
